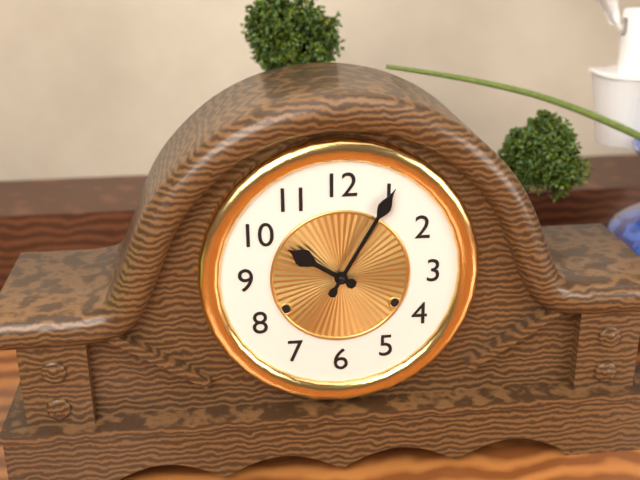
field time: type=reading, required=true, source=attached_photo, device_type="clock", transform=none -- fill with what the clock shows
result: 10:05
